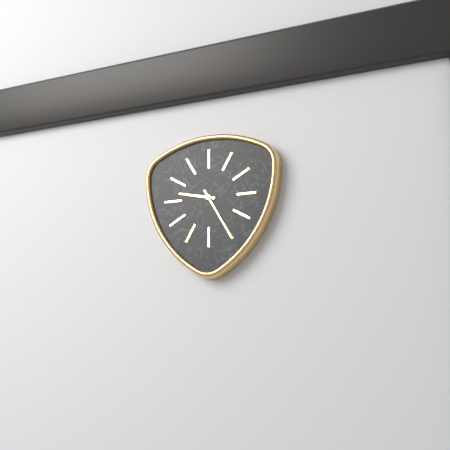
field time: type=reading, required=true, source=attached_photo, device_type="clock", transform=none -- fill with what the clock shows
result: 9:25
